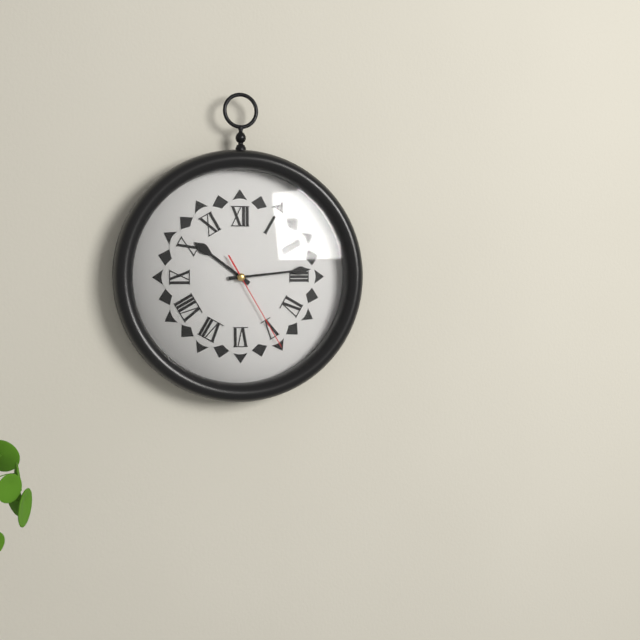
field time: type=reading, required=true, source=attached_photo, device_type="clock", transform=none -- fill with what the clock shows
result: 10:14:25
